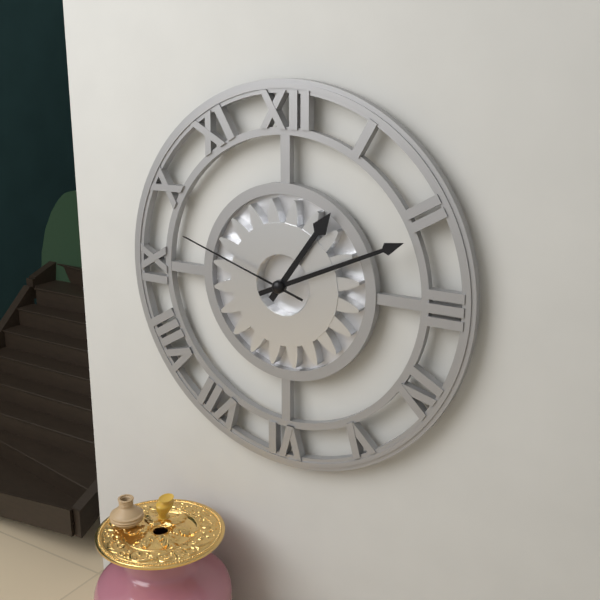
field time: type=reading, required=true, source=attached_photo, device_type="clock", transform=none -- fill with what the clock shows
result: 1:11:48
